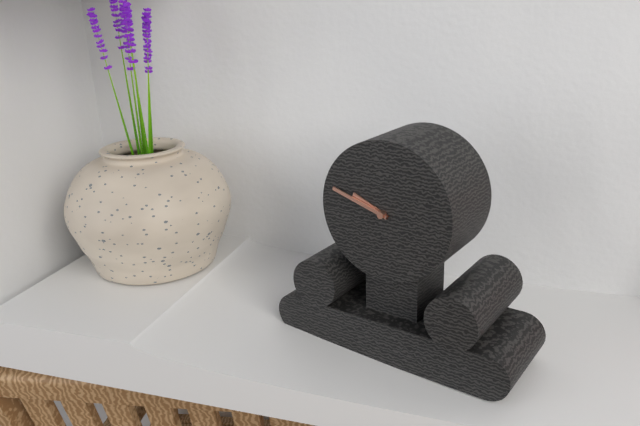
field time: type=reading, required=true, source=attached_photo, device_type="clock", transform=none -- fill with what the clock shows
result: 9:48
